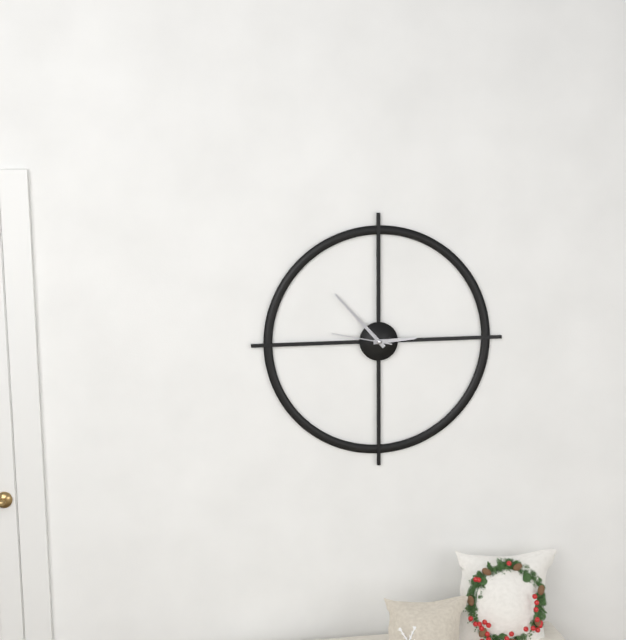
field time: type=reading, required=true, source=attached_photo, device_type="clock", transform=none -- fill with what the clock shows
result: 2:53:47
